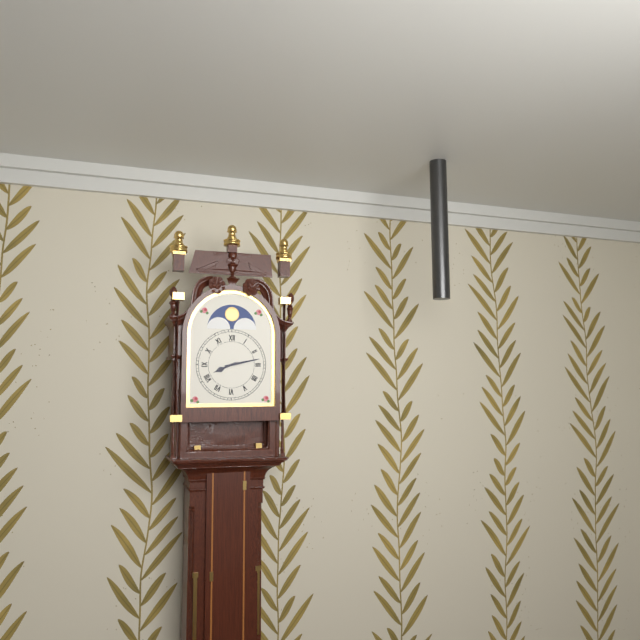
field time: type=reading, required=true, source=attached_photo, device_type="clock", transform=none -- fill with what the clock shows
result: 8:13
